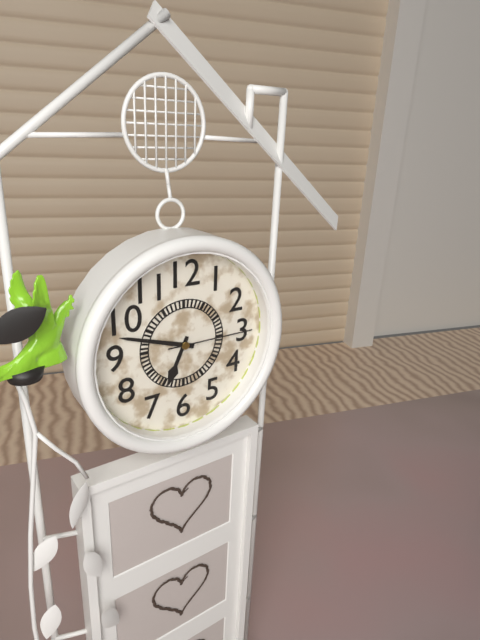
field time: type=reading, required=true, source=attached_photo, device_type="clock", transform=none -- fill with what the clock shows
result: 6:48:15
